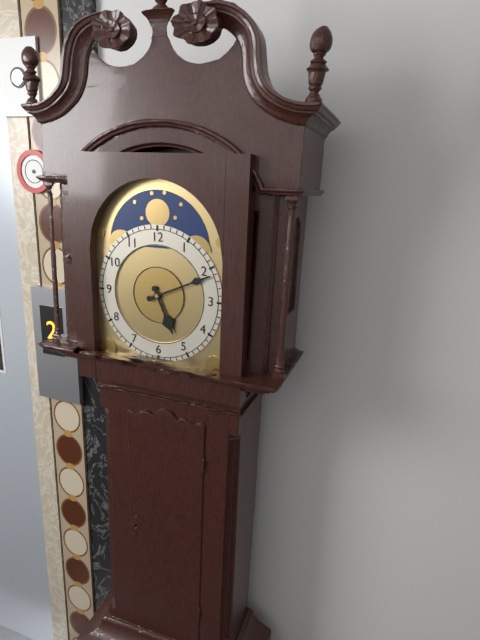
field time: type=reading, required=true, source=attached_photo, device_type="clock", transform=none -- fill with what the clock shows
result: 5:11
